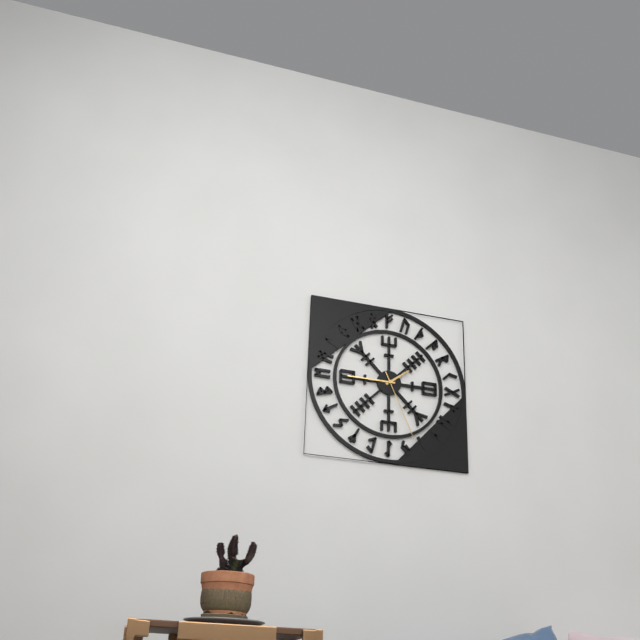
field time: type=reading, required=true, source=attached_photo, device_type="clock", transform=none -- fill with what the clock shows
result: 1:45:26
